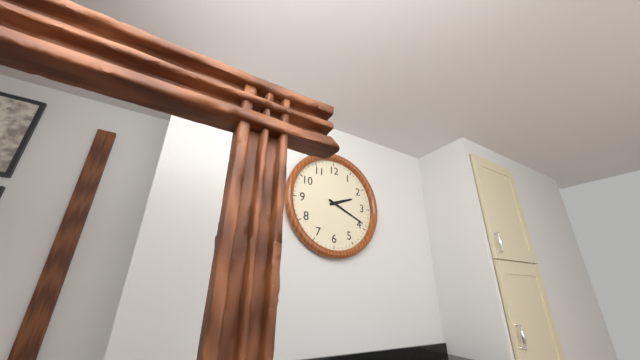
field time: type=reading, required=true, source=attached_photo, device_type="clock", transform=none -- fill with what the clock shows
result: 2:19
